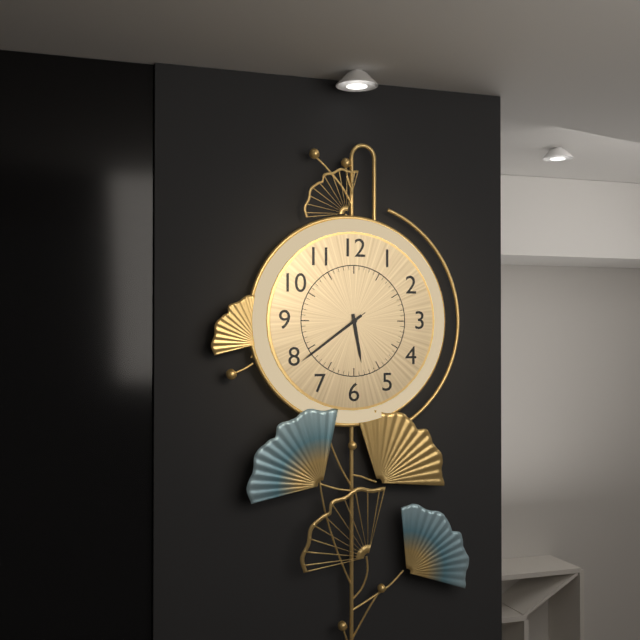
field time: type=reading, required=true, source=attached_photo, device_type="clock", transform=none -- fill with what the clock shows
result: 5:39:39
